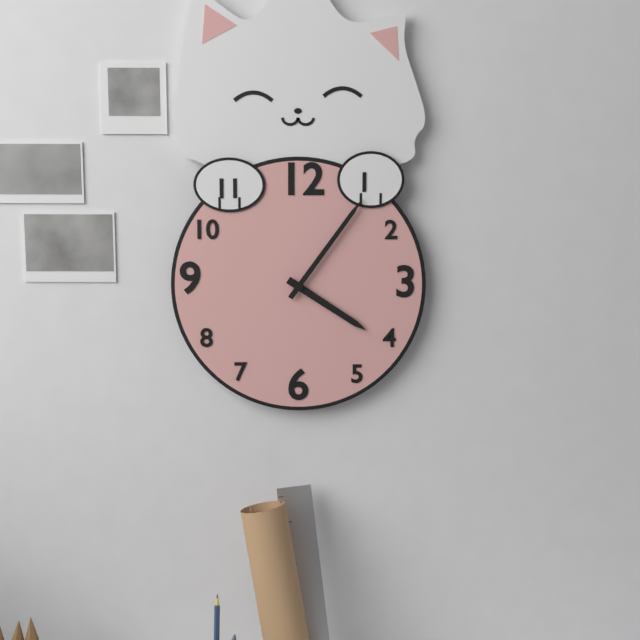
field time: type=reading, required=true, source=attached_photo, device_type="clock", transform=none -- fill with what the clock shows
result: 4:06
